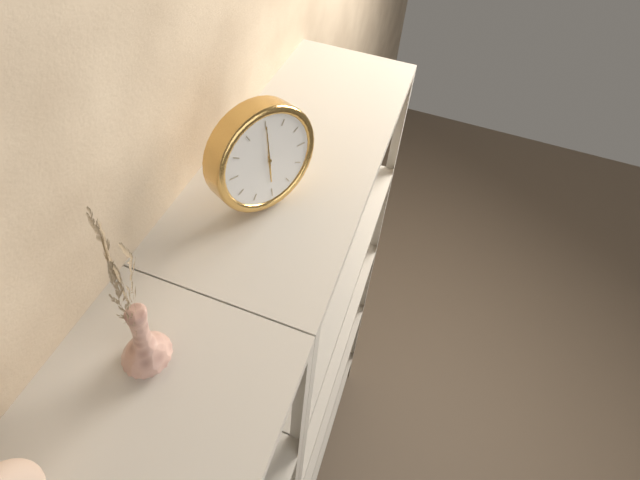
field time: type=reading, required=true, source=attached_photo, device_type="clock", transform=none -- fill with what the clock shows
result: 6:00
